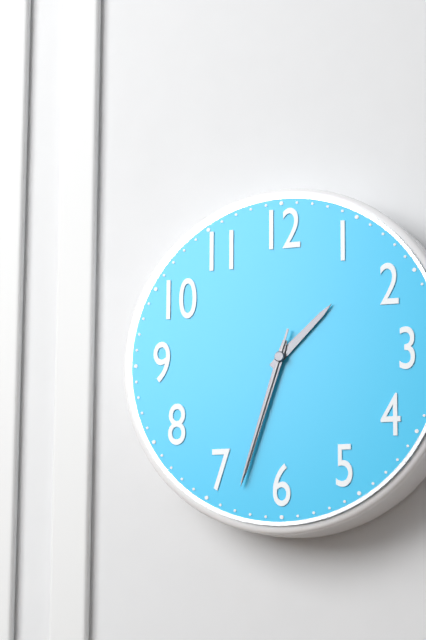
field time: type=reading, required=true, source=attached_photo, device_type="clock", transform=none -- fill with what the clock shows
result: 1:33:33
